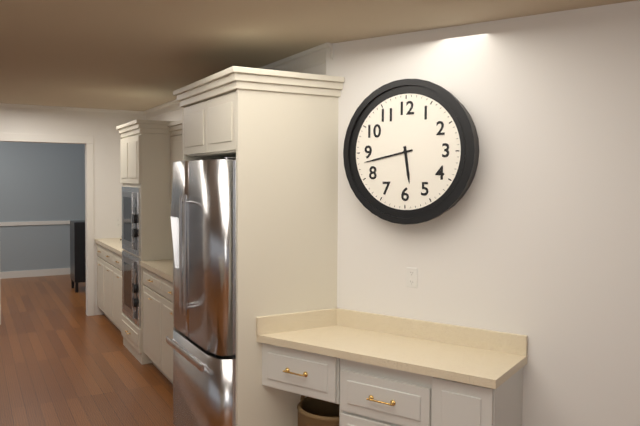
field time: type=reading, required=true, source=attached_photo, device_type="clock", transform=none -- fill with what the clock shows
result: 5:43
